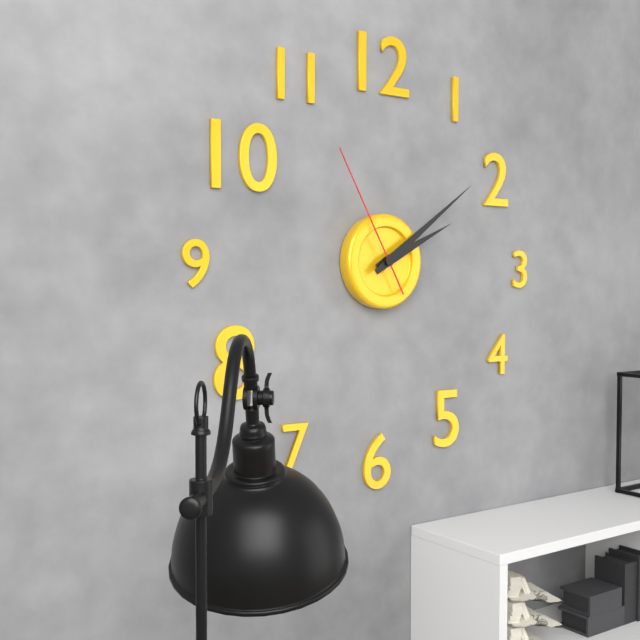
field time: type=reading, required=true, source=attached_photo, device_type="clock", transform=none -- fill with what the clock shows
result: 2:09:55
